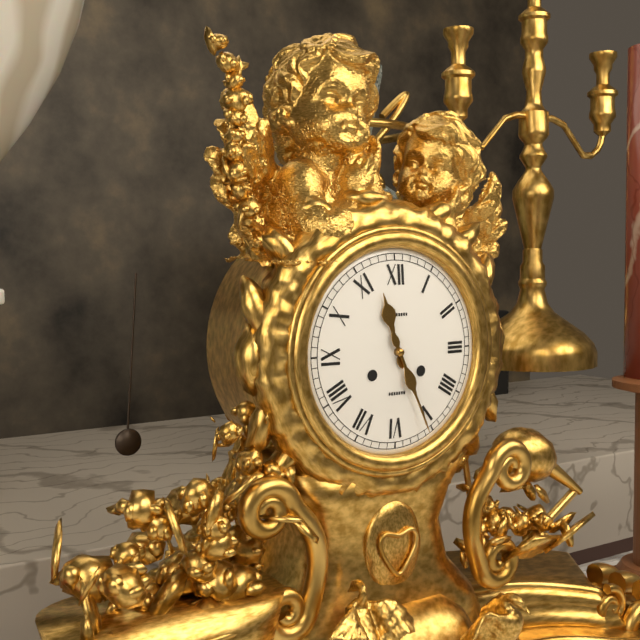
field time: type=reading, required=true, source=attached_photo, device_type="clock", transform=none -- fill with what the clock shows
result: 11:26
